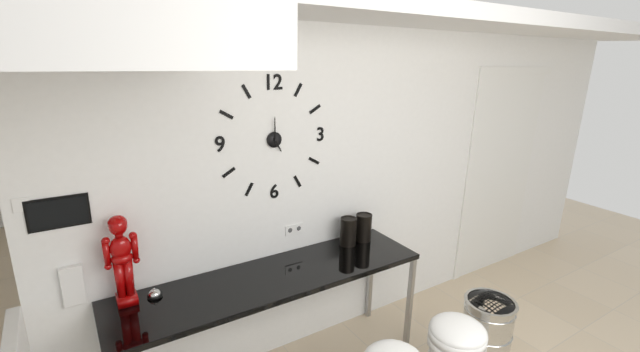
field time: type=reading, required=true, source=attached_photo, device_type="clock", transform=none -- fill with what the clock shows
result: 5:00
